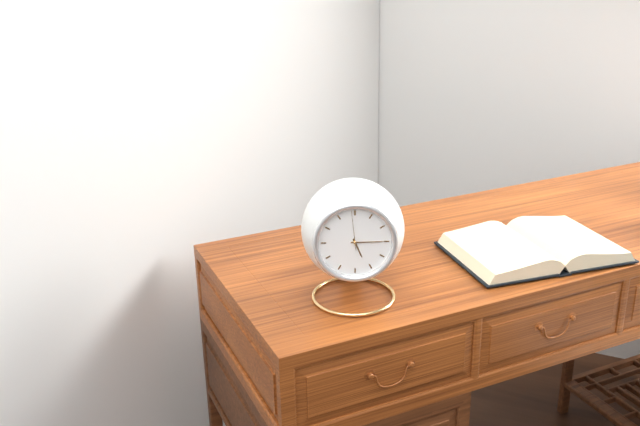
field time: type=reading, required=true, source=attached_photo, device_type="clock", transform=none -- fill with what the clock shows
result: 5:15
